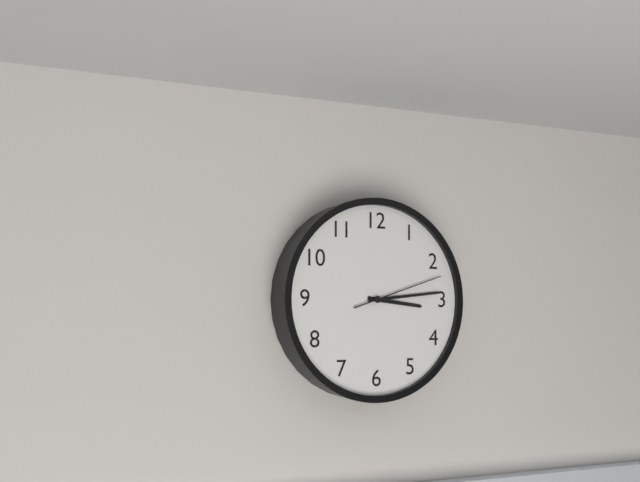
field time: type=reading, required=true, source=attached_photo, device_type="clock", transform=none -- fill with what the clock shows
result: 3:14:12
